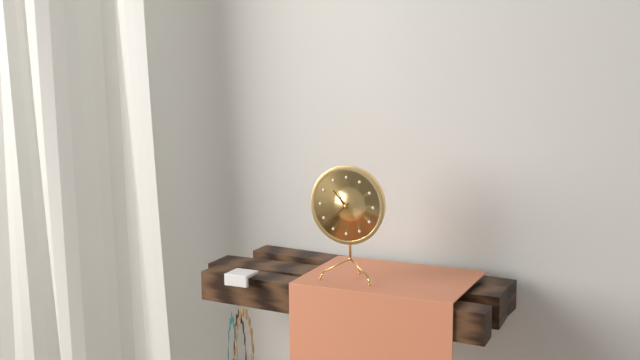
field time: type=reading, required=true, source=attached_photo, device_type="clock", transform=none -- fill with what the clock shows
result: 10:38
